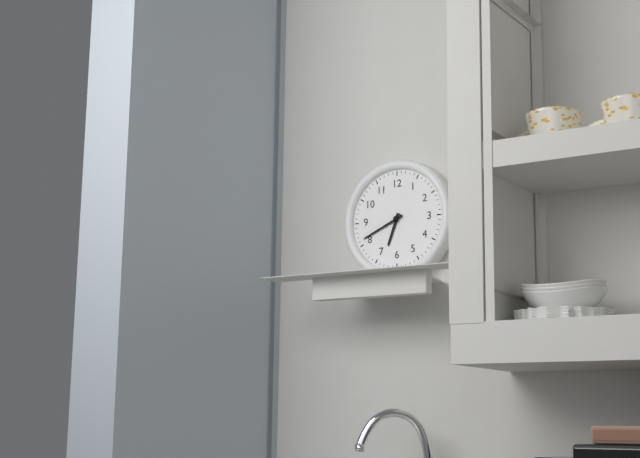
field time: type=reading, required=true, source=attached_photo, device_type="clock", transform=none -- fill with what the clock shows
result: 6:41
